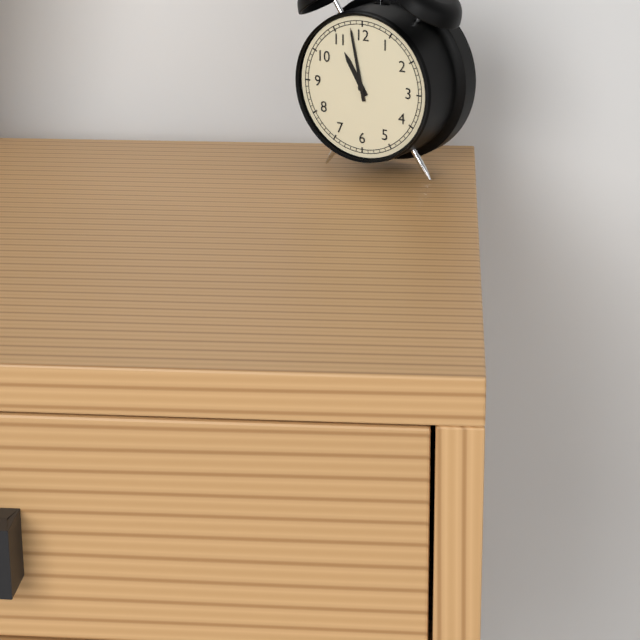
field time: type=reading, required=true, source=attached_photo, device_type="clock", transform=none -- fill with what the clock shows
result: 10:58
